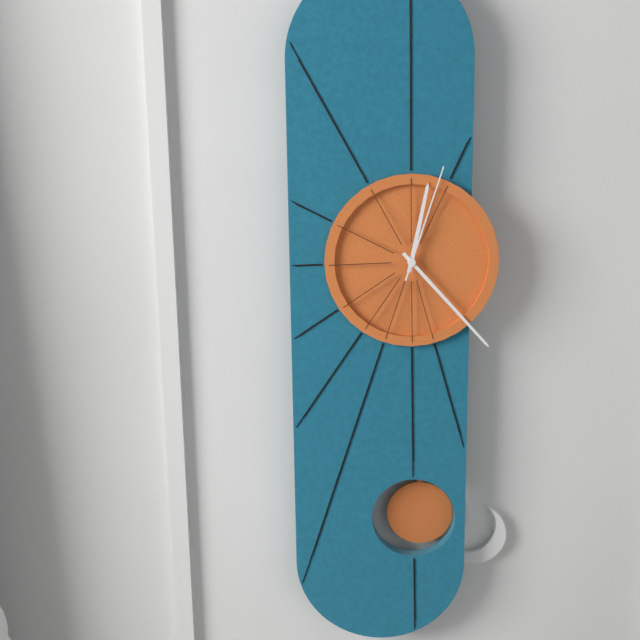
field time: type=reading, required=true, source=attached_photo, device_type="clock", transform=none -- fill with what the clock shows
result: 12:23:03
